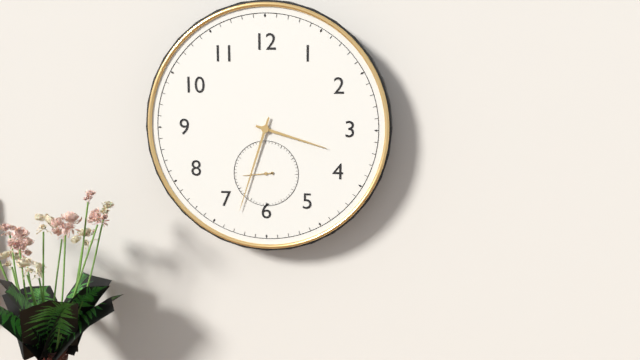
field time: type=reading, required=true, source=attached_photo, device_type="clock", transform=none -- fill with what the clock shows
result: 3:33
